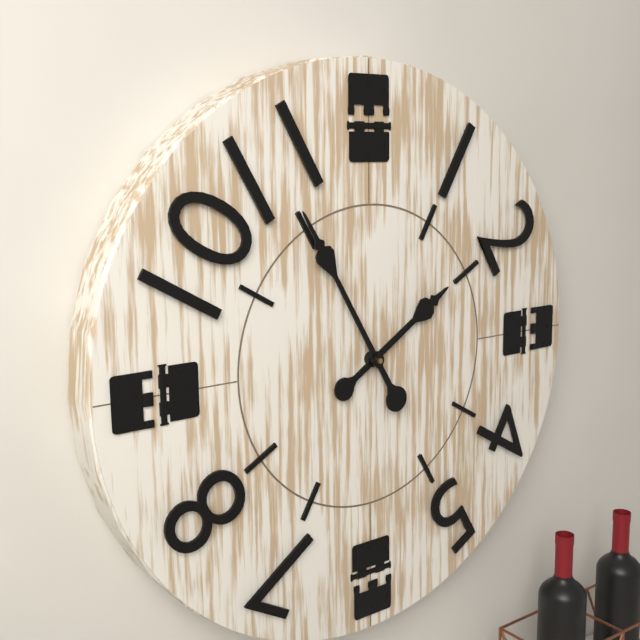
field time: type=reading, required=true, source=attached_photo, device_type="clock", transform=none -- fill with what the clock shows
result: 1:55
